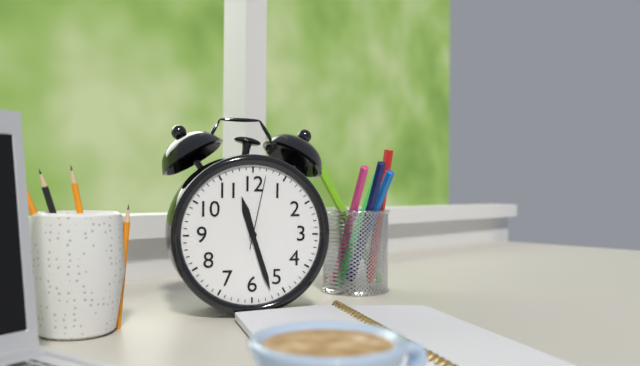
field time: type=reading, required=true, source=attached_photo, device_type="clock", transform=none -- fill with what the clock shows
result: 11:27:02
